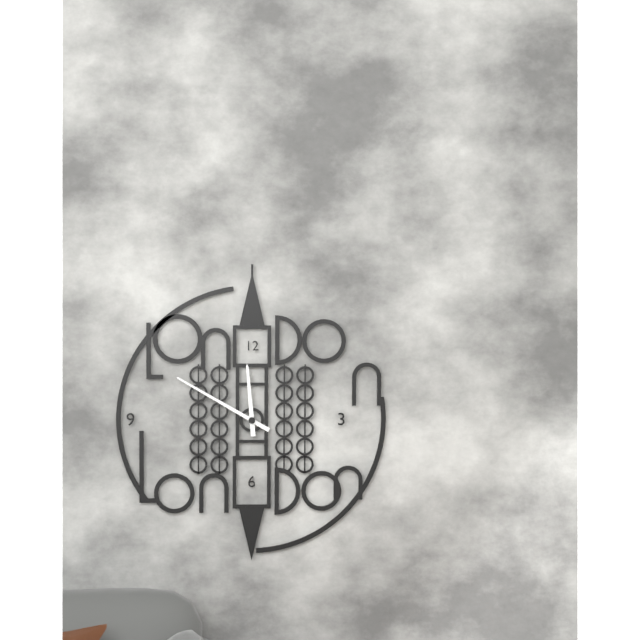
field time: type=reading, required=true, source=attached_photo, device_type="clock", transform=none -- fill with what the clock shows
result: 11:50
